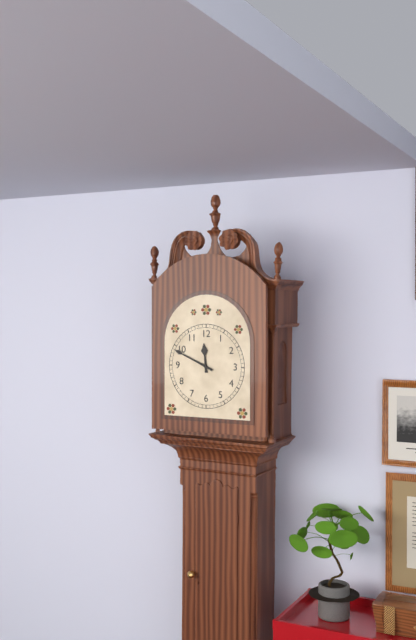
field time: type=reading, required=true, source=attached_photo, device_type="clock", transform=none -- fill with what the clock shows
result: 11:49
